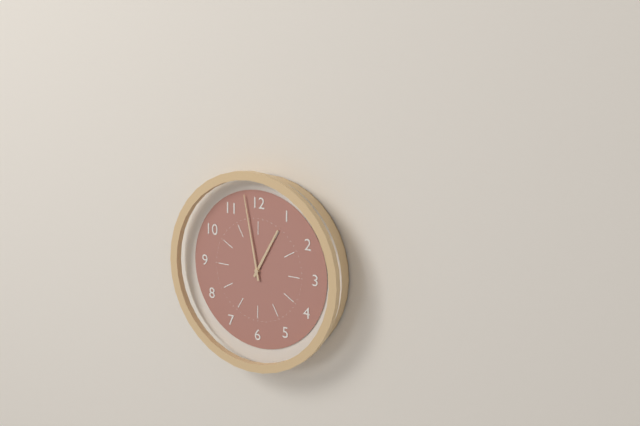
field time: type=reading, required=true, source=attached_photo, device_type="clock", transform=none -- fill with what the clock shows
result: 12:58
